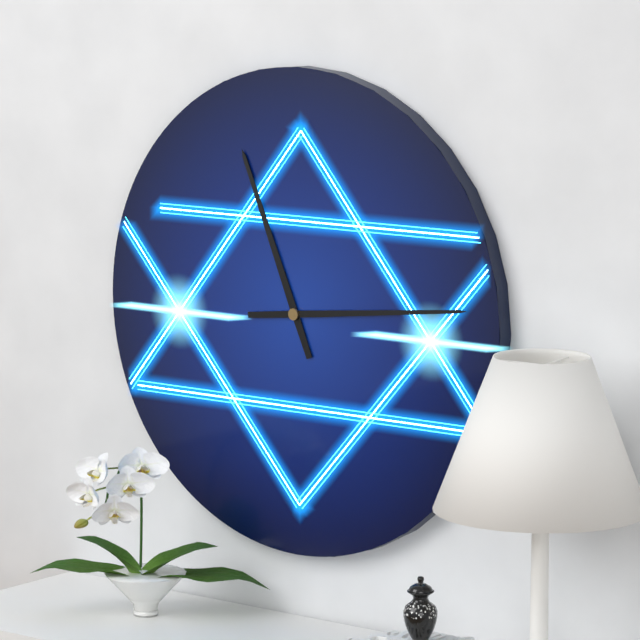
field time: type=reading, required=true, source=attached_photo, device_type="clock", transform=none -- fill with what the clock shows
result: 11:14
